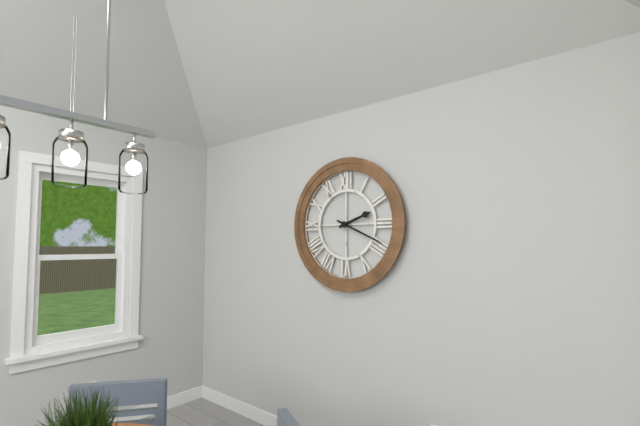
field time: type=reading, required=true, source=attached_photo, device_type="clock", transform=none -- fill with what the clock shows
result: 2:19
